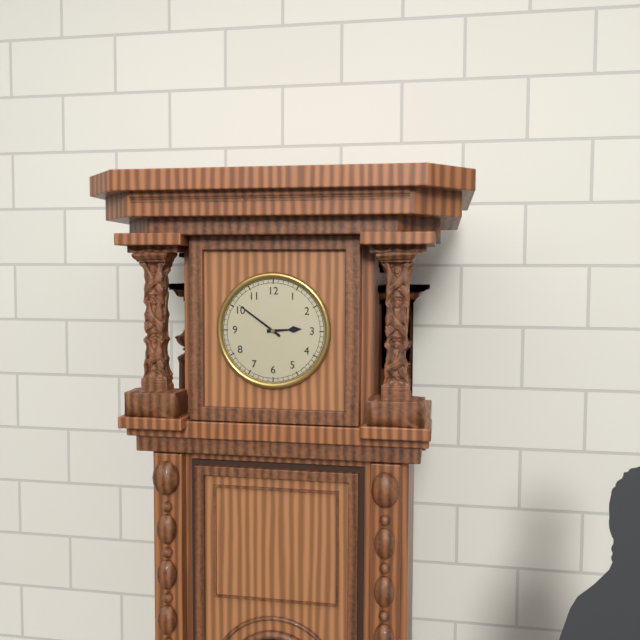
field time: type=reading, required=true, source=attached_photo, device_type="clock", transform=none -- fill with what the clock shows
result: 2:51
